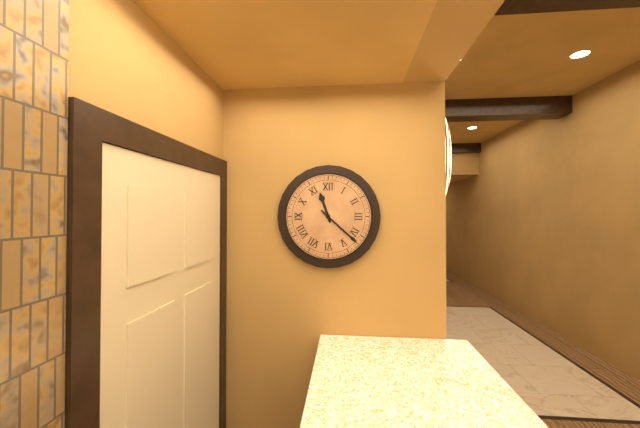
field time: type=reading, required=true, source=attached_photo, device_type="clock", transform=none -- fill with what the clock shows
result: 11:22
